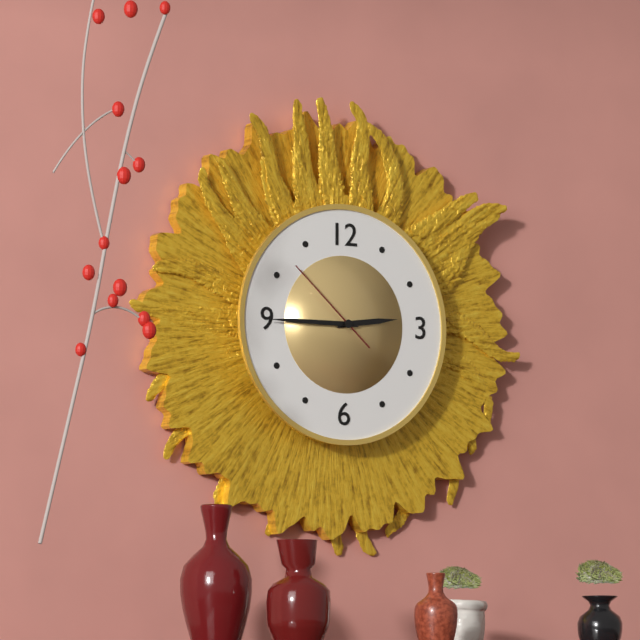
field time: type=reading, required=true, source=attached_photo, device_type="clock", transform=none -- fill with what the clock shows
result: 2:45:52
